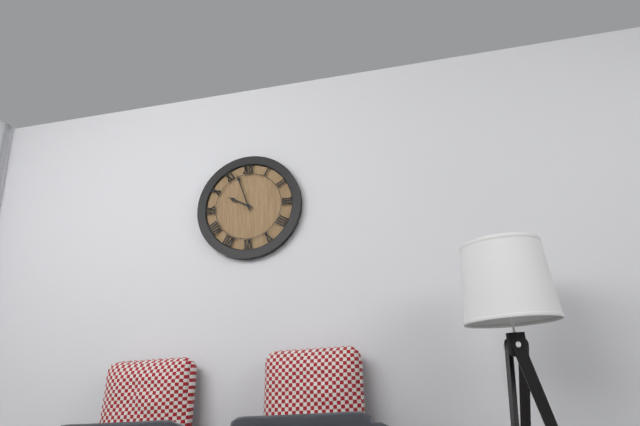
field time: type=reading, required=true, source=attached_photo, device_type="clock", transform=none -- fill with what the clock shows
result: 9:57
